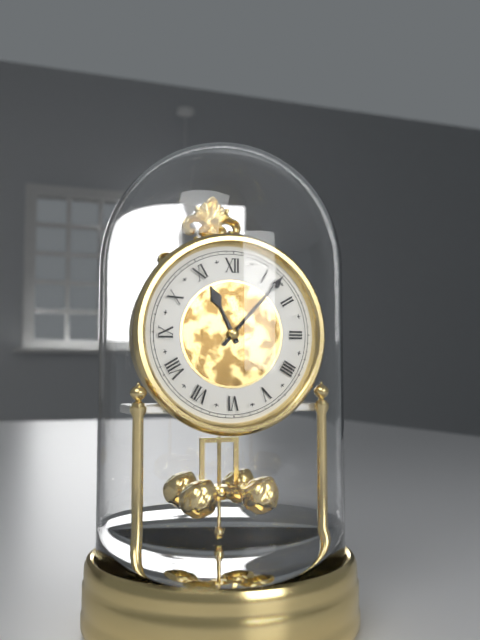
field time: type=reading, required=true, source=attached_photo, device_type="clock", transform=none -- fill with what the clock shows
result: 11:07
